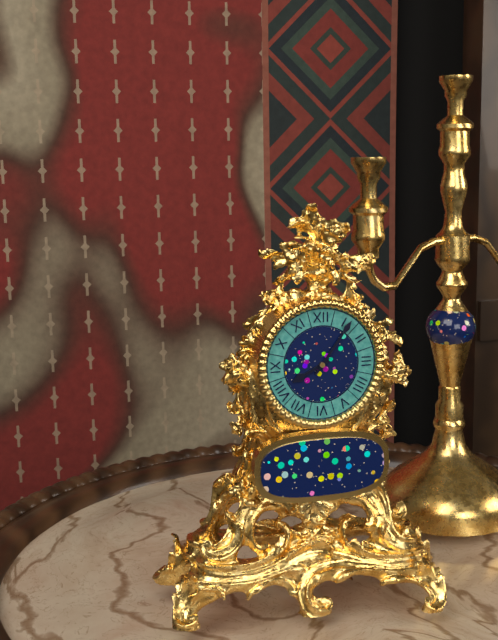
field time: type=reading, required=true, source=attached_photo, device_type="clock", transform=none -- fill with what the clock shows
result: 8:06
